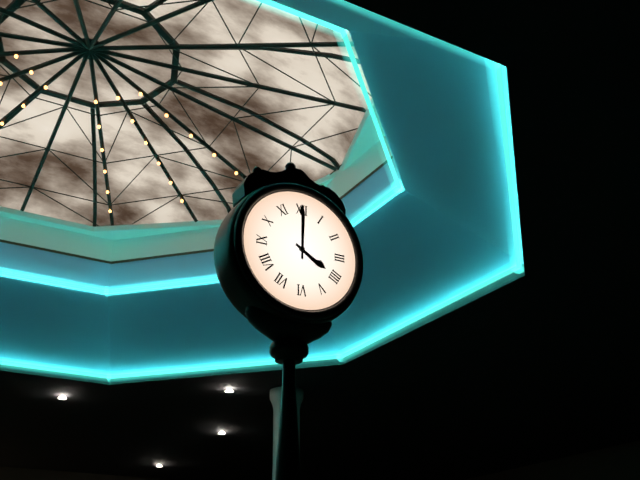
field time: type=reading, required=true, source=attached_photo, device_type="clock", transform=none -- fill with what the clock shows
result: 4:00
